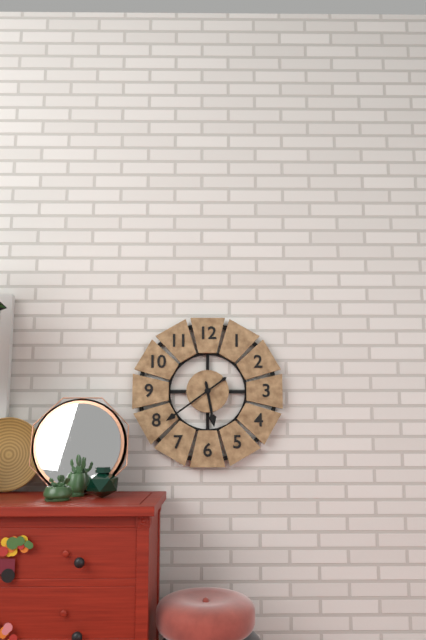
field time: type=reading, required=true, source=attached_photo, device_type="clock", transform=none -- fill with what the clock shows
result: 5:39
